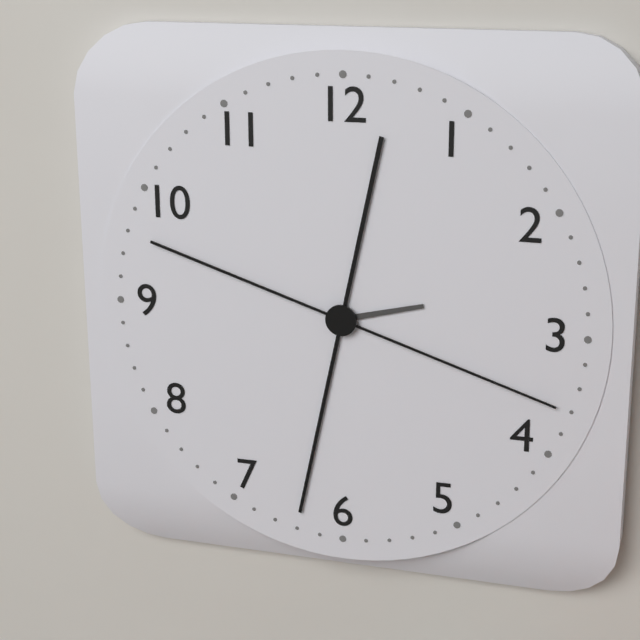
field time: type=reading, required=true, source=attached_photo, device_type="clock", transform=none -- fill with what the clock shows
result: 2:32:18
